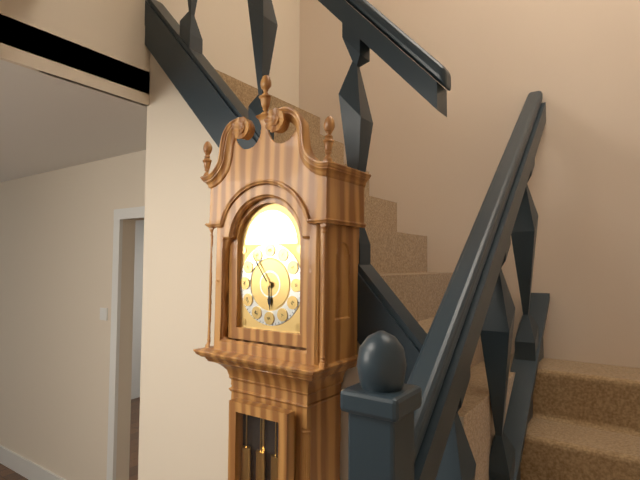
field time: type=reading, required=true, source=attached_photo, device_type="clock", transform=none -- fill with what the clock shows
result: 5:54
